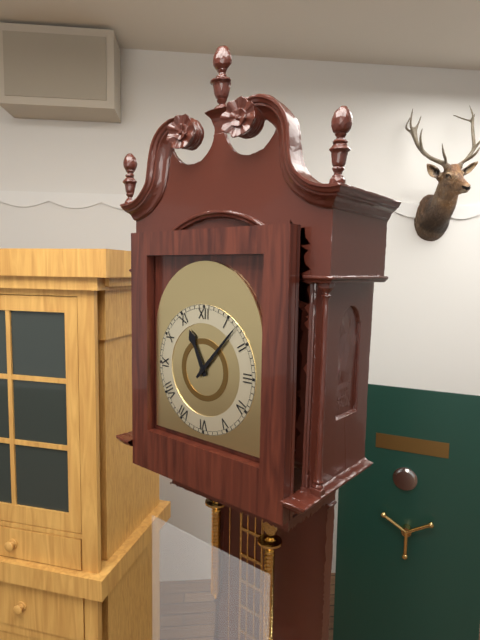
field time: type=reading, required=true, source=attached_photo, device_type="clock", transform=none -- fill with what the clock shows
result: 11:07
